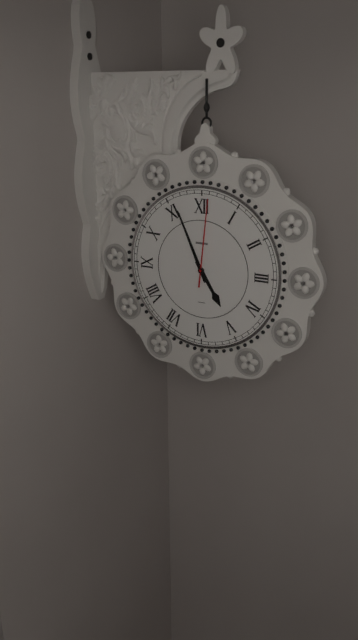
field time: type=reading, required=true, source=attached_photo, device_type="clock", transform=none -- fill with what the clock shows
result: 4:56:01
